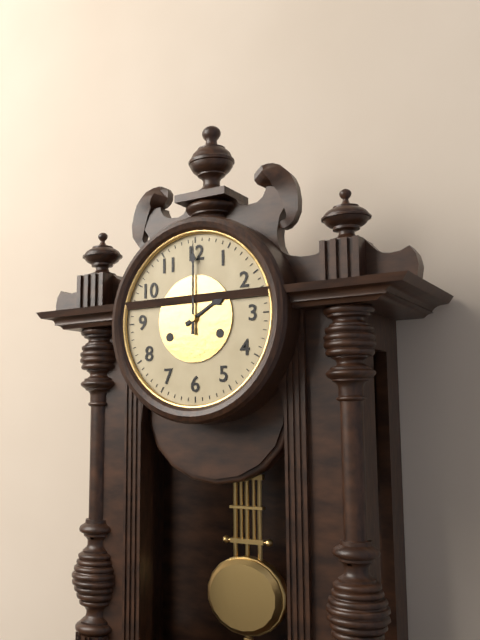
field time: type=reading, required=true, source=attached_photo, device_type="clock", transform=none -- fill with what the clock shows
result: 2:00
